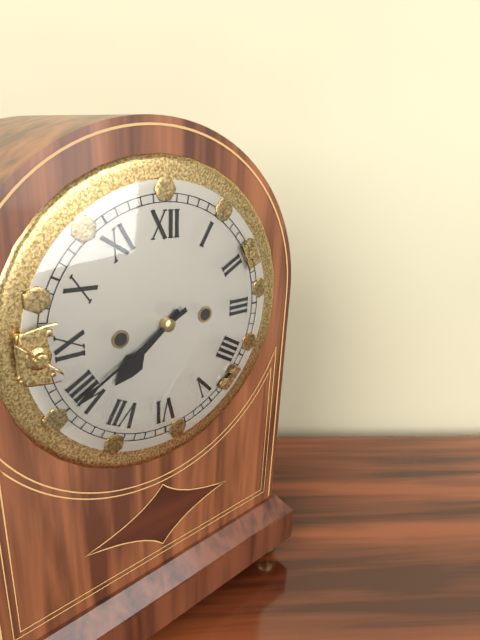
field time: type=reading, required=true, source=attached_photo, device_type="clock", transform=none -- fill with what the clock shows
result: 7:40
